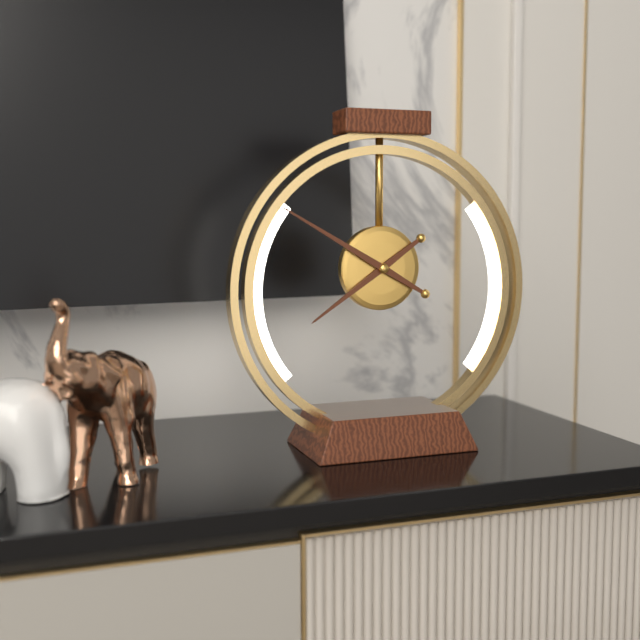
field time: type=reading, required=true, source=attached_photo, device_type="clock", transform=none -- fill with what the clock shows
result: 7:50
